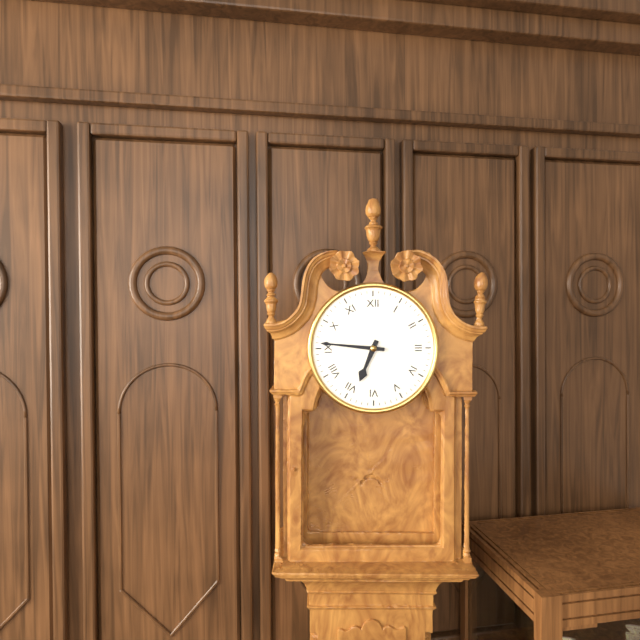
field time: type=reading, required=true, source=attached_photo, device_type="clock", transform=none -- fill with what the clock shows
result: 6:46
